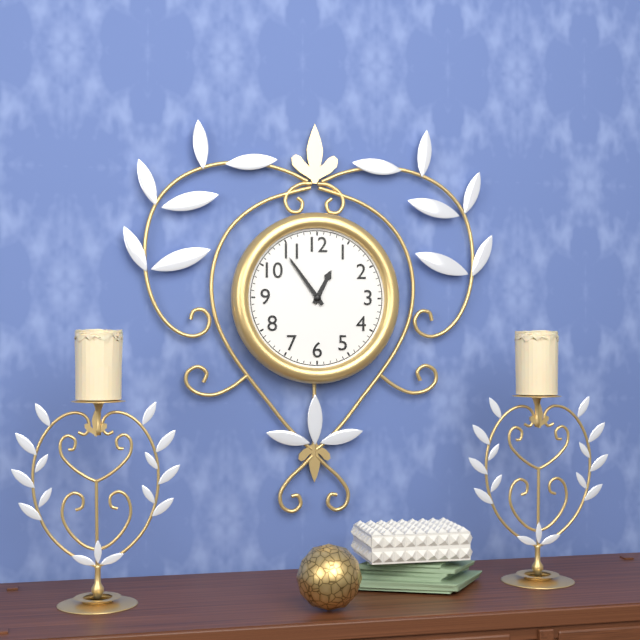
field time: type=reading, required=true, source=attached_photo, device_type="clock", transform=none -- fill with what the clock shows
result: 12:54
